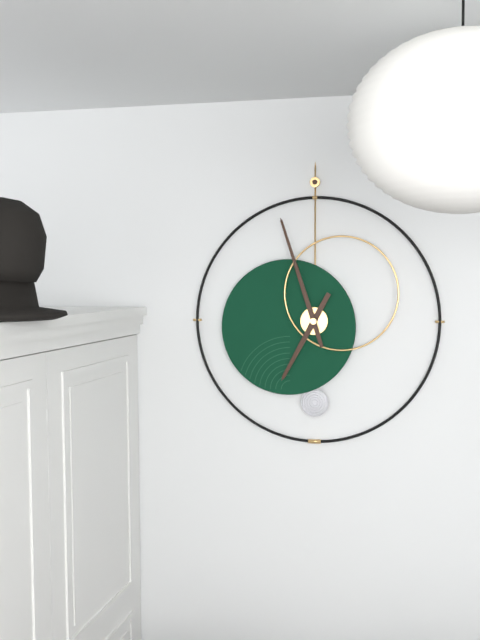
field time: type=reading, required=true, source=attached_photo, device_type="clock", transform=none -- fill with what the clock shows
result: 6:57
